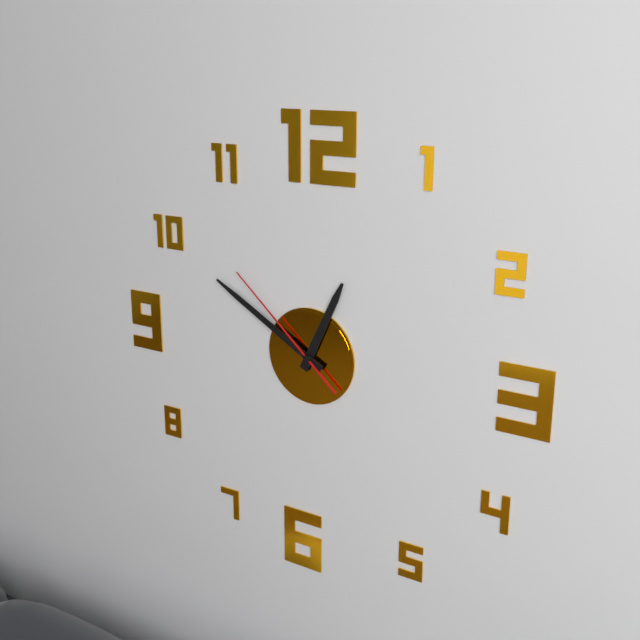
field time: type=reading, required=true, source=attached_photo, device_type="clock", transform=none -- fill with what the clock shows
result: 12:50:52
